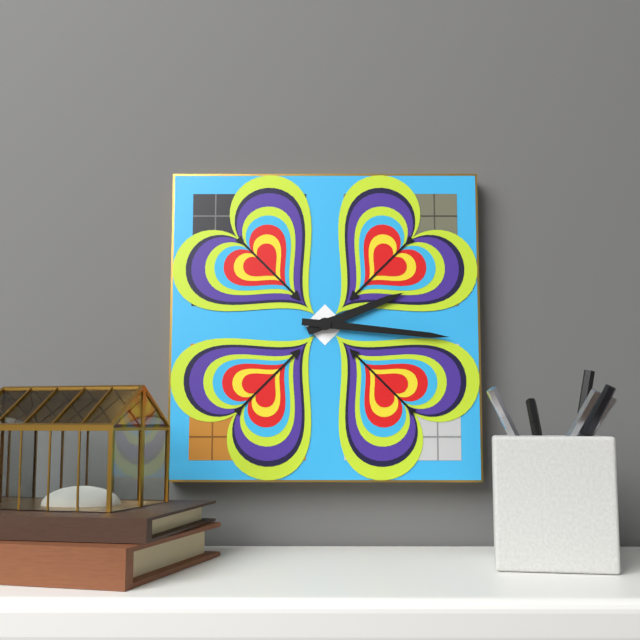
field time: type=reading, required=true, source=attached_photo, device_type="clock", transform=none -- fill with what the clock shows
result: 2:16
